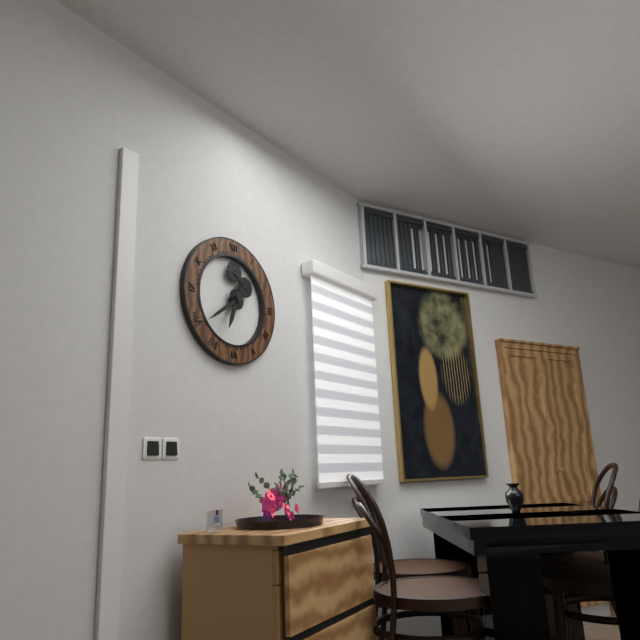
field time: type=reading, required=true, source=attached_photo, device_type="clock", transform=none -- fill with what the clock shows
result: 6:39
